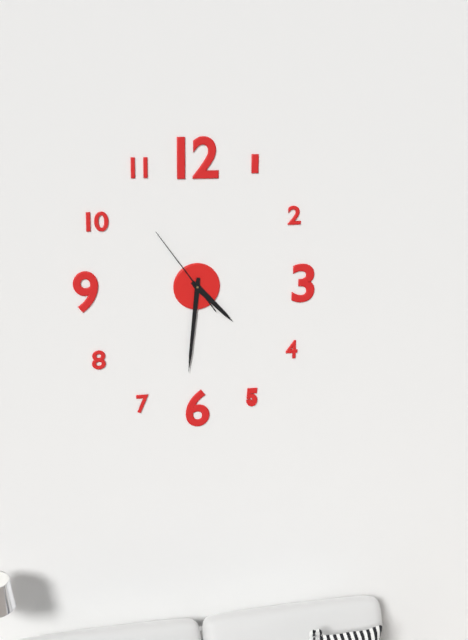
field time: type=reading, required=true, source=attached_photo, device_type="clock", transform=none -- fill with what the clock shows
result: 4:31:54
